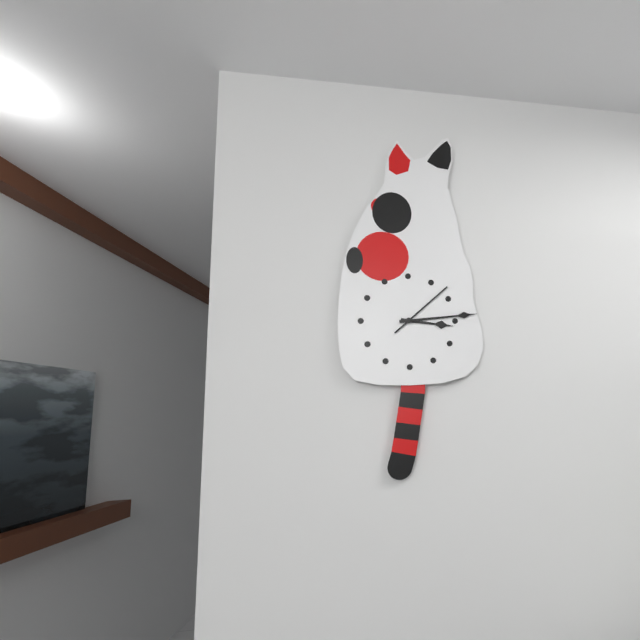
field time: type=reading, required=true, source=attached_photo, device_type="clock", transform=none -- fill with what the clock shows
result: 3:14:08
